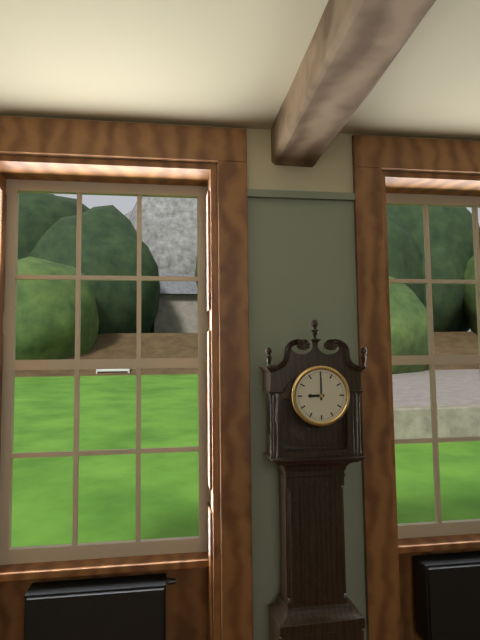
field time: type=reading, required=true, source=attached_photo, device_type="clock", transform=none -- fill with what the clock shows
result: 9:00
